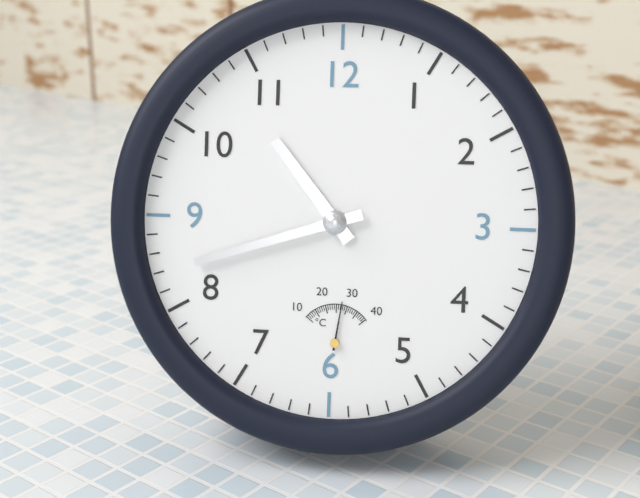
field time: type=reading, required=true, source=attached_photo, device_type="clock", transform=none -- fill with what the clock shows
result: 10:42
